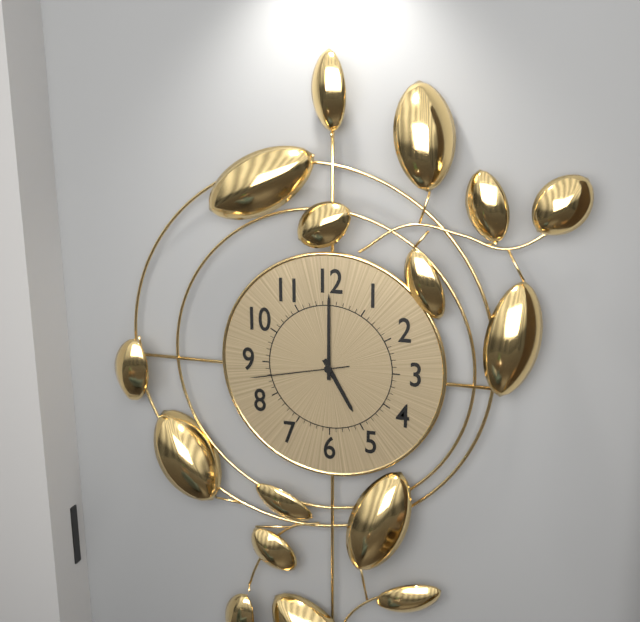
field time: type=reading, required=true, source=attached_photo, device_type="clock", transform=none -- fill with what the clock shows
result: 5:00:43
